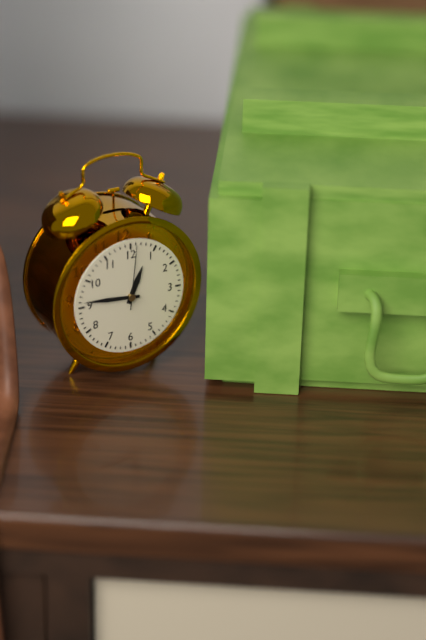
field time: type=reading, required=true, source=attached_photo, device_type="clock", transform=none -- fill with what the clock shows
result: 12:46:01
